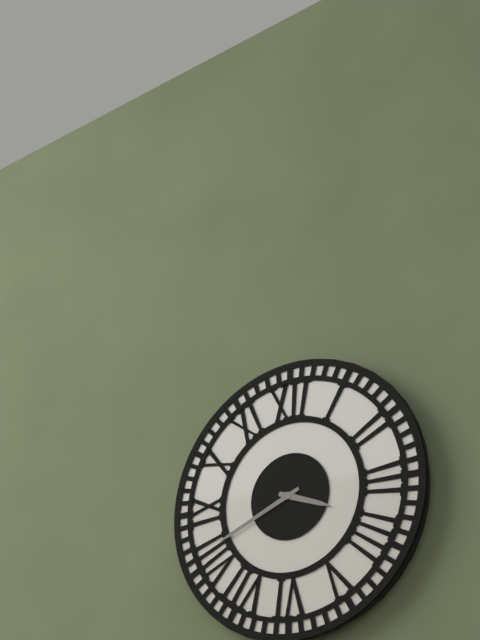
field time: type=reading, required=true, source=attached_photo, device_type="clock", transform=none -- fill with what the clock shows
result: 3:41
